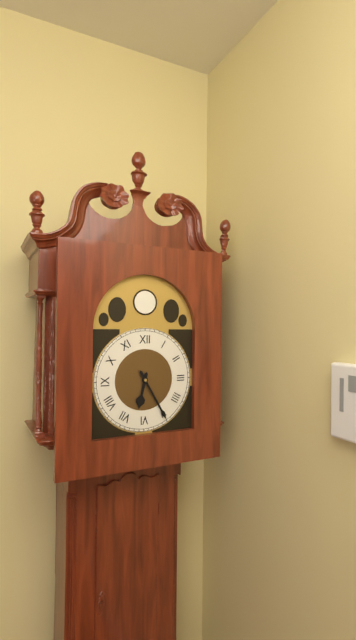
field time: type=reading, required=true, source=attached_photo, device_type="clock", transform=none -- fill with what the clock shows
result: 6:25
